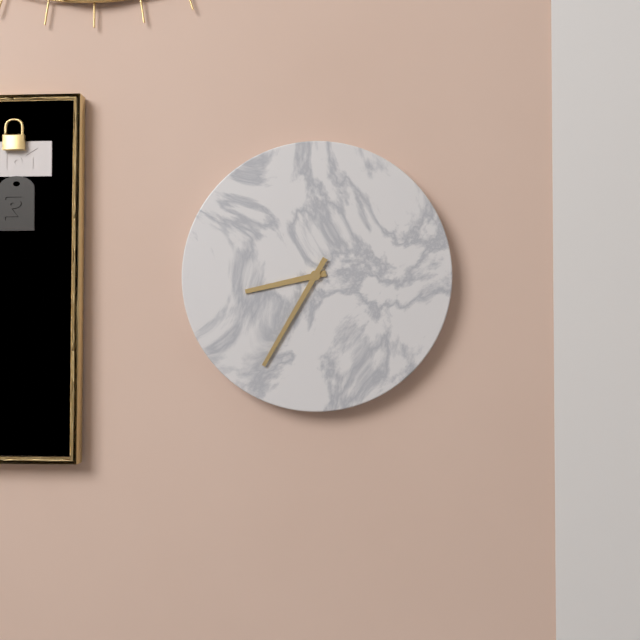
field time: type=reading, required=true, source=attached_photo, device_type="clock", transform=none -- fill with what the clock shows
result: 8:35
